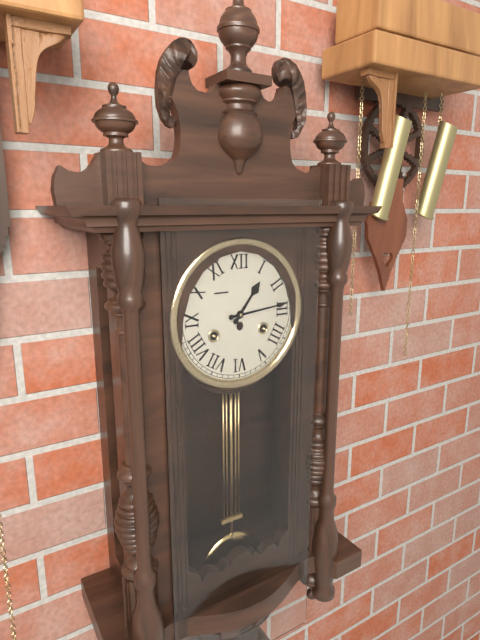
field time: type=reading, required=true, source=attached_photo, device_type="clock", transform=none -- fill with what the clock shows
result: 1:14
